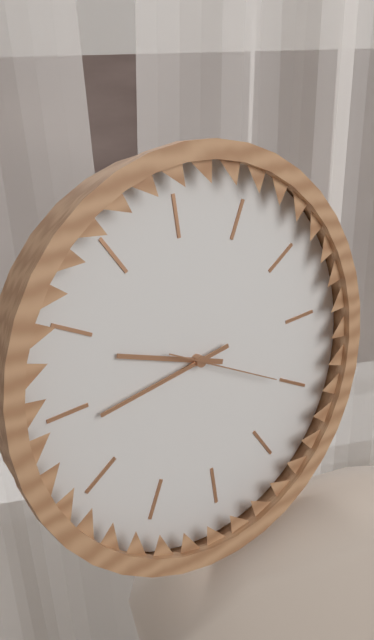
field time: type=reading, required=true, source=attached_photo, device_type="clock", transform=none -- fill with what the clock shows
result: 9:44:20
